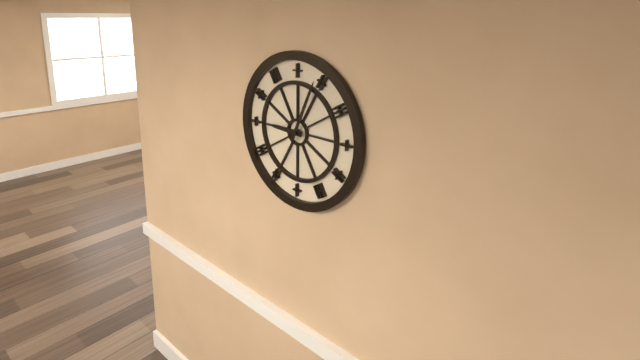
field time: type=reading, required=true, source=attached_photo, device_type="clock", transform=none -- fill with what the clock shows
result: 9:04
